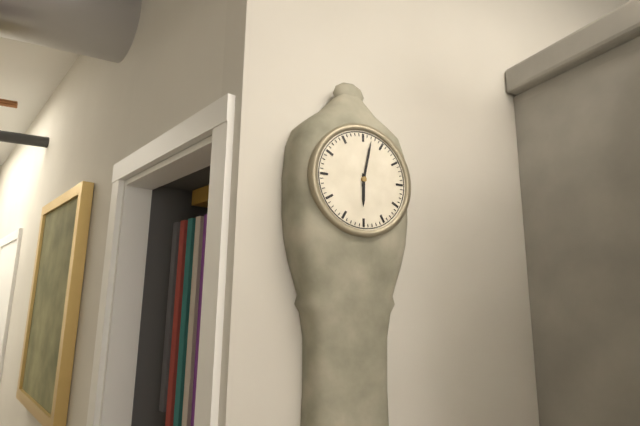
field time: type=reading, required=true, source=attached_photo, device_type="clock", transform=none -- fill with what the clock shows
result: 6:02
